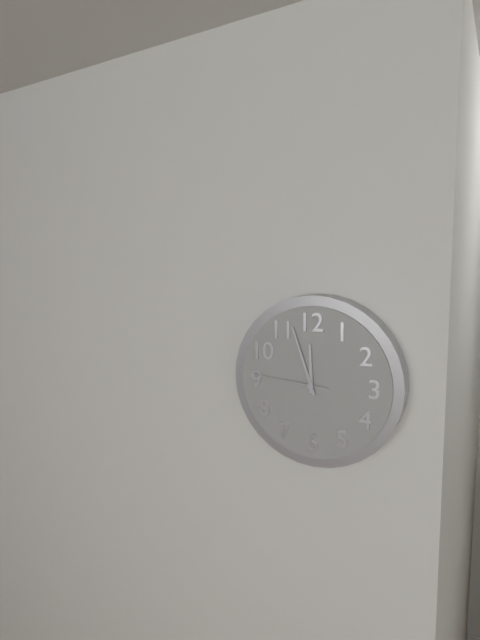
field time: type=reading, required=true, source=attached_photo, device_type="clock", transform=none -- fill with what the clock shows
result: 11:57:46
